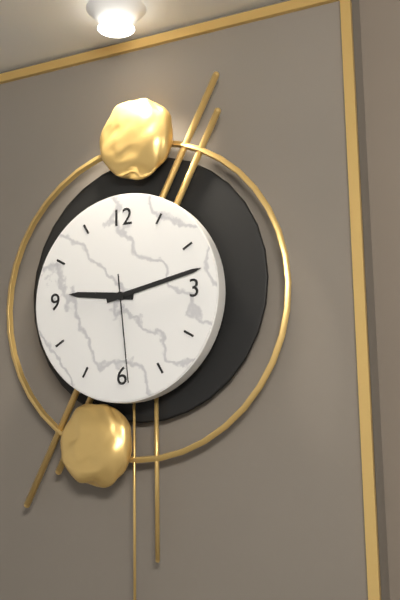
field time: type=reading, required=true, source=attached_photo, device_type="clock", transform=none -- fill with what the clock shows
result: 9:13:29
